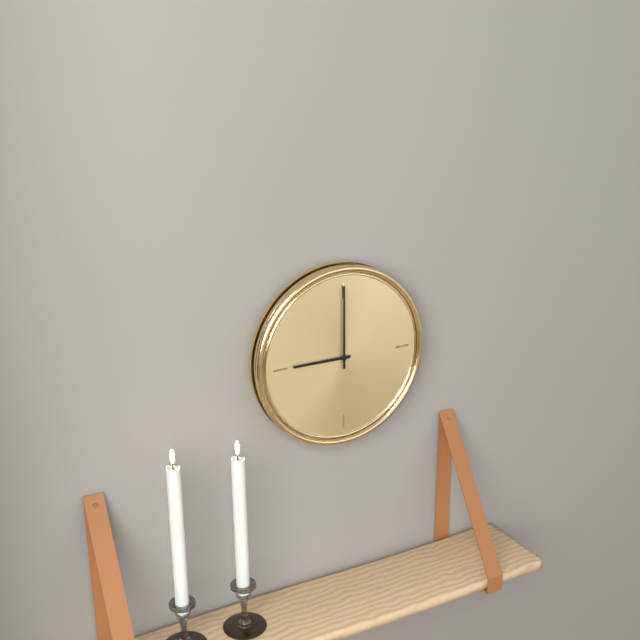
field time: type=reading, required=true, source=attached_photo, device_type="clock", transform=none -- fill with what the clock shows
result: 9:00
